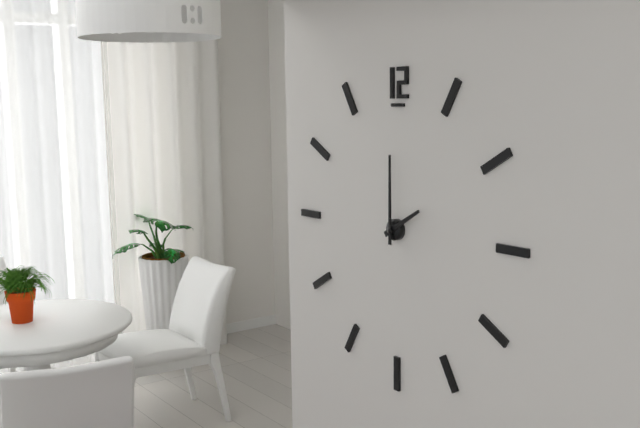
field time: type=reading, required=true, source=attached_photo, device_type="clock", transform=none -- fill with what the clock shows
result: 2:00
